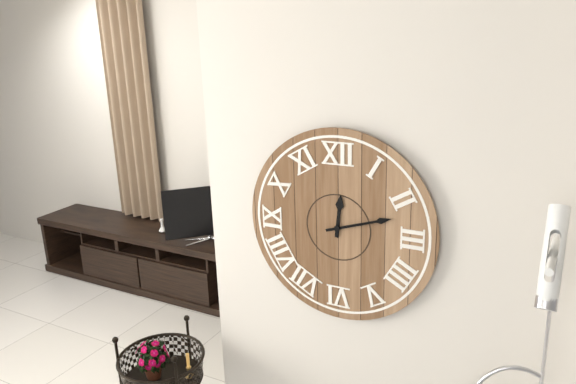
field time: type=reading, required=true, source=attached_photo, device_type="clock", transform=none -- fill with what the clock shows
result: 12:12
